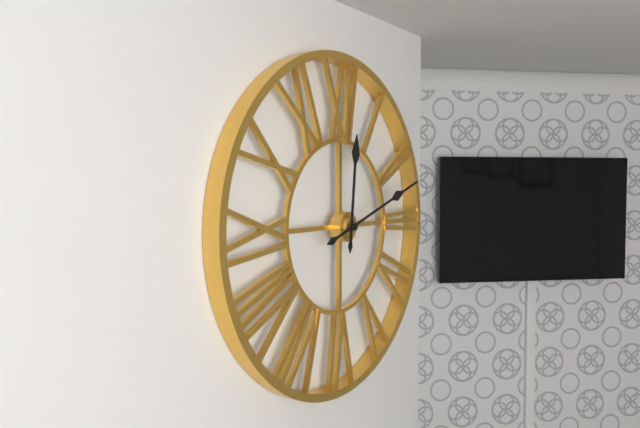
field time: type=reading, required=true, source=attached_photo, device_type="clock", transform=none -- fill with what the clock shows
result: 12:12
